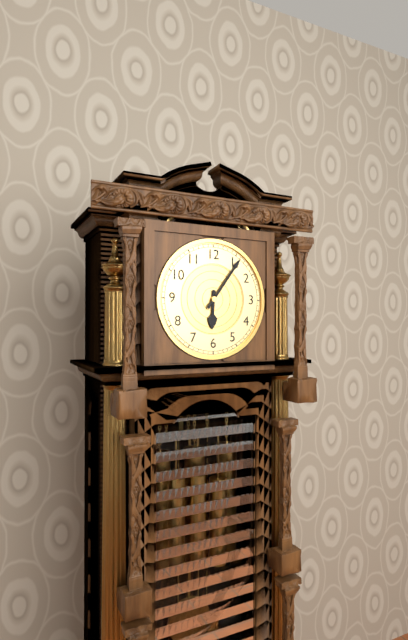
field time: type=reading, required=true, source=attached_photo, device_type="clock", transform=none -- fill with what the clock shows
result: 6:06
